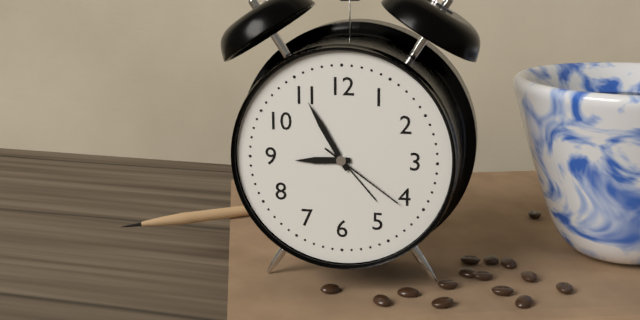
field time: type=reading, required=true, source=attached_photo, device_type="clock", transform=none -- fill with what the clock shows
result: 8:55:21
